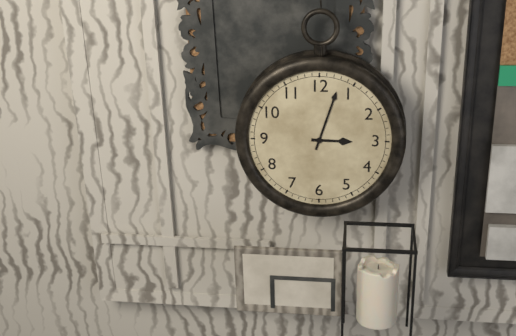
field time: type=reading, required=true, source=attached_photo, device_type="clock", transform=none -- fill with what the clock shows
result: 3:03
